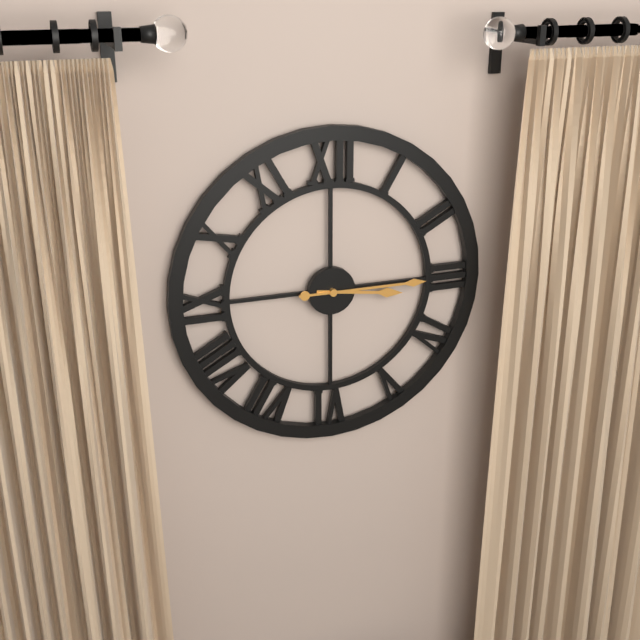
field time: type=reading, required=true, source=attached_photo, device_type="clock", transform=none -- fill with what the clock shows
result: 3:15
